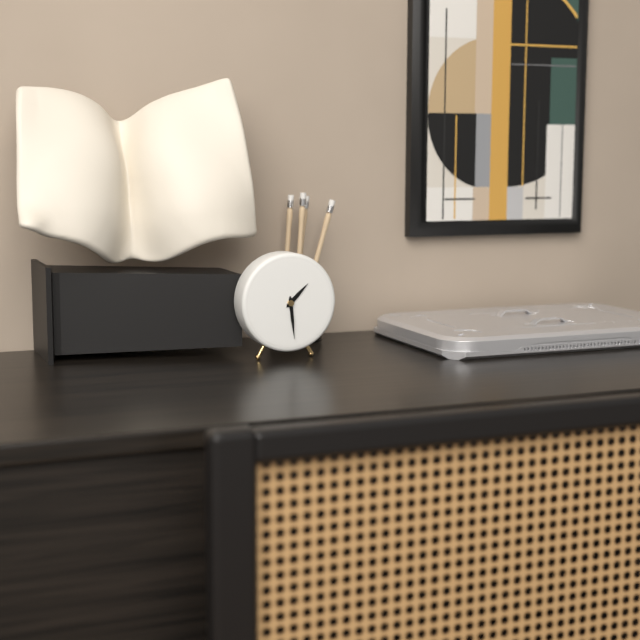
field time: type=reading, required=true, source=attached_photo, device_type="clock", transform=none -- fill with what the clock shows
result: 1:29
